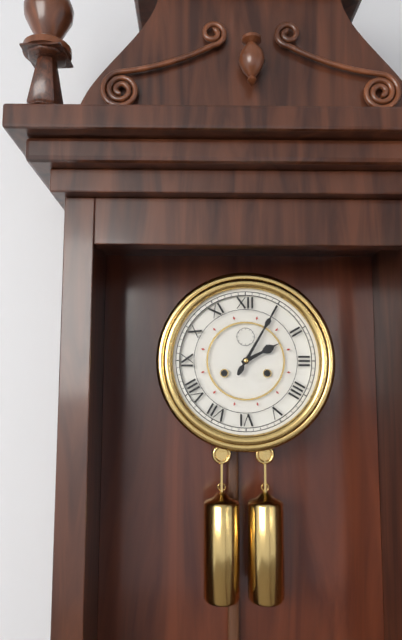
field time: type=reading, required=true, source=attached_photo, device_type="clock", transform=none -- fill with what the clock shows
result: 2:05
